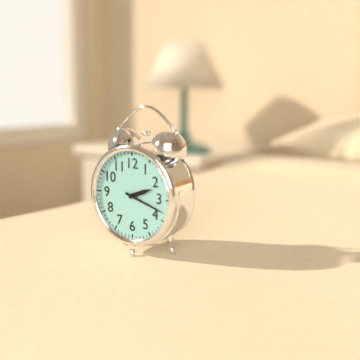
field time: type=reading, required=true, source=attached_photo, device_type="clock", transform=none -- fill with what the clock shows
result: 2:18
